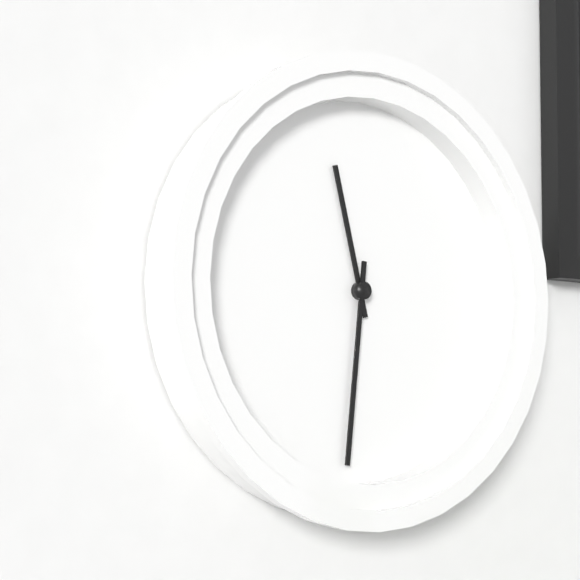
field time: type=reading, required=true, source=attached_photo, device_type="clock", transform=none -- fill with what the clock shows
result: 11:31
